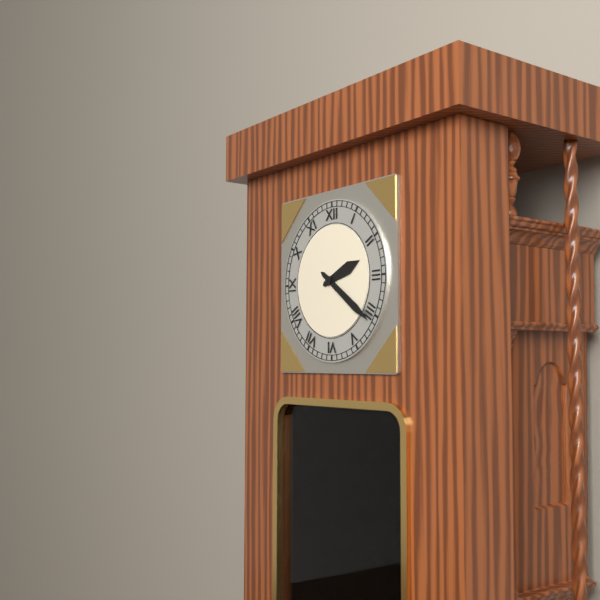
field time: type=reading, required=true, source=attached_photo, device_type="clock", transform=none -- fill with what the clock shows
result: 2:21
